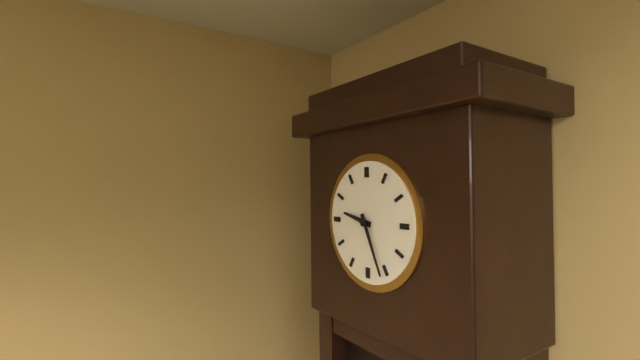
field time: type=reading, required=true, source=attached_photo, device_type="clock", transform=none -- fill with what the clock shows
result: 9:26
